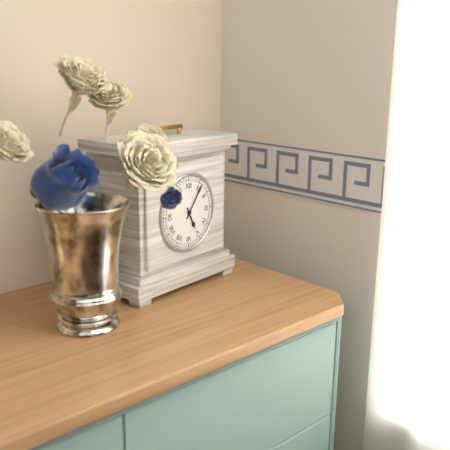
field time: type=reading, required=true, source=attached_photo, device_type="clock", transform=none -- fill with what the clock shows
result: 5:06
